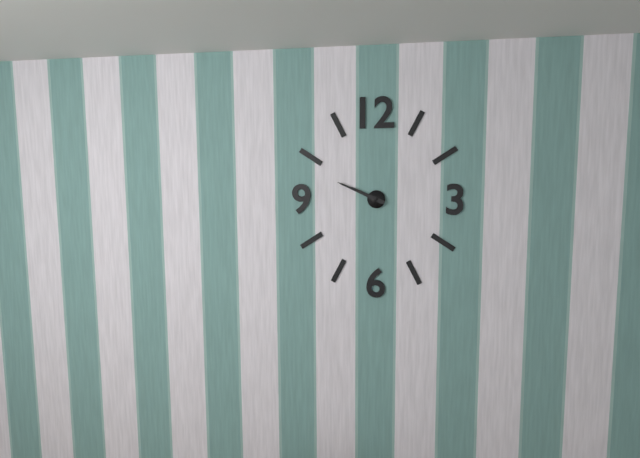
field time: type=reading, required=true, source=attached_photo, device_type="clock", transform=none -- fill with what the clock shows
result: 9:49
